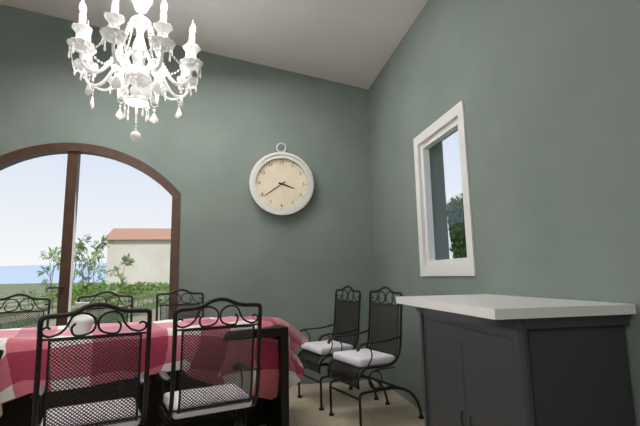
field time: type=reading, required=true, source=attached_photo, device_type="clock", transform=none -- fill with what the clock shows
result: 3:39
